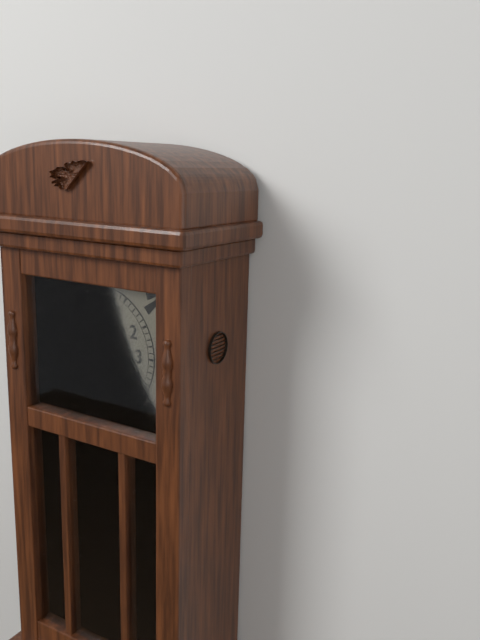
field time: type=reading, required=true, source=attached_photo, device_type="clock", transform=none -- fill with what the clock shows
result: 7:58
